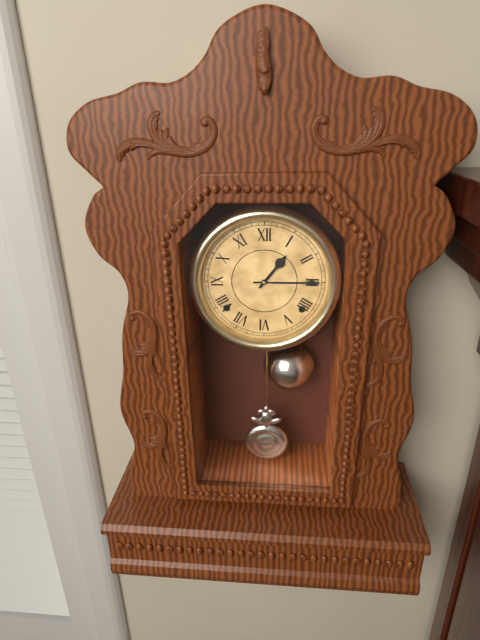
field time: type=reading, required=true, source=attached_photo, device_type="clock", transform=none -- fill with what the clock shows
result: 1:15
